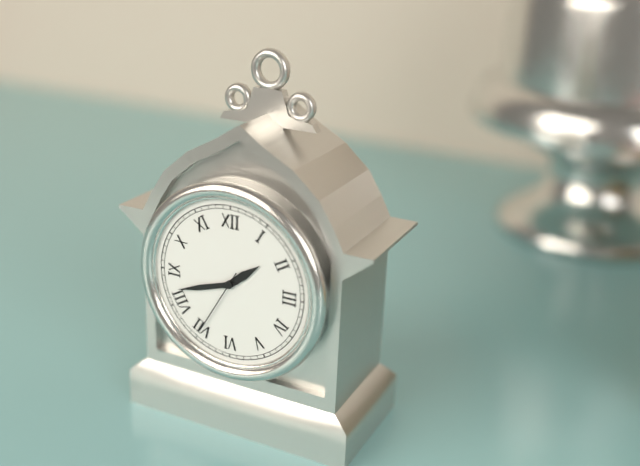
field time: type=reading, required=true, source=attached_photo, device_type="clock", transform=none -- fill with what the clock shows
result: 1:42:35
